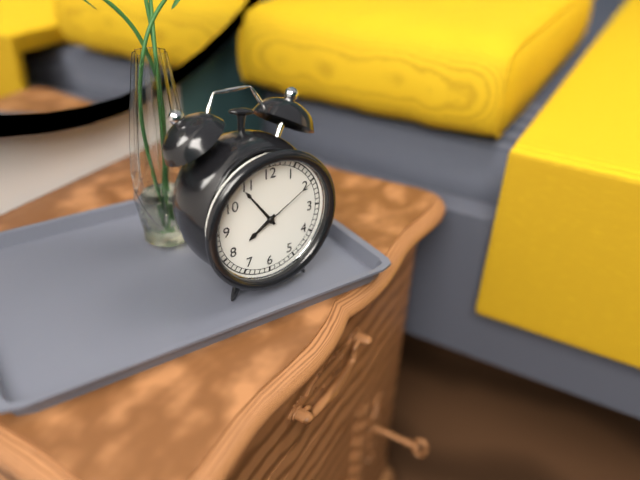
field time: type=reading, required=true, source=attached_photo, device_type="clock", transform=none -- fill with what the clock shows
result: 7:54:10
